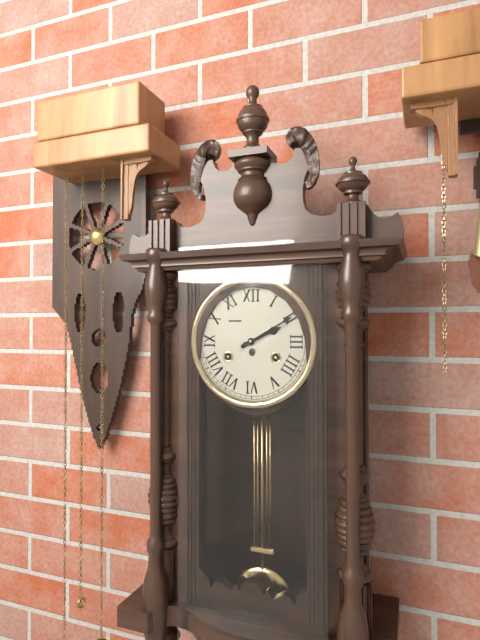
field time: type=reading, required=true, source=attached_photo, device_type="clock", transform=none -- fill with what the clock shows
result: 2:10
